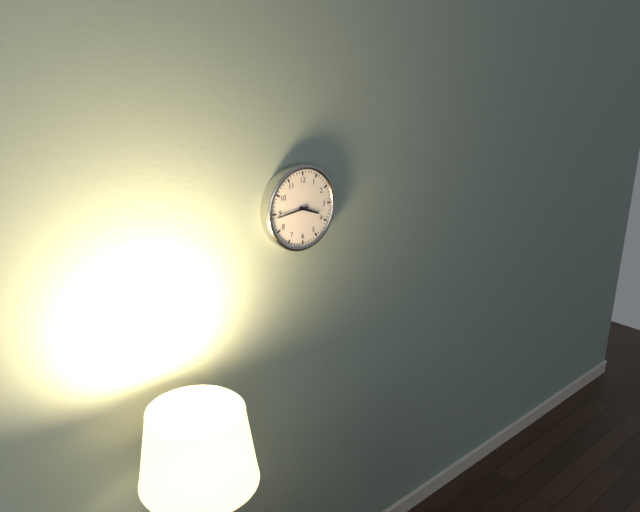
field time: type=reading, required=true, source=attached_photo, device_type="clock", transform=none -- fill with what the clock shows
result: 3:44
